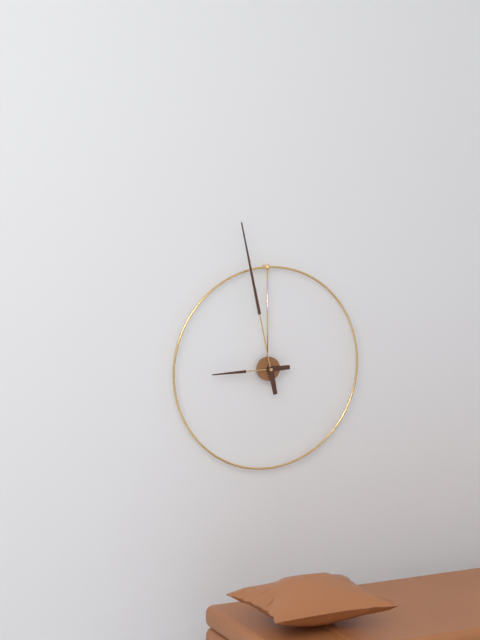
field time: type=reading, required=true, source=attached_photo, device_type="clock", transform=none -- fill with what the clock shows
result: 8:58
